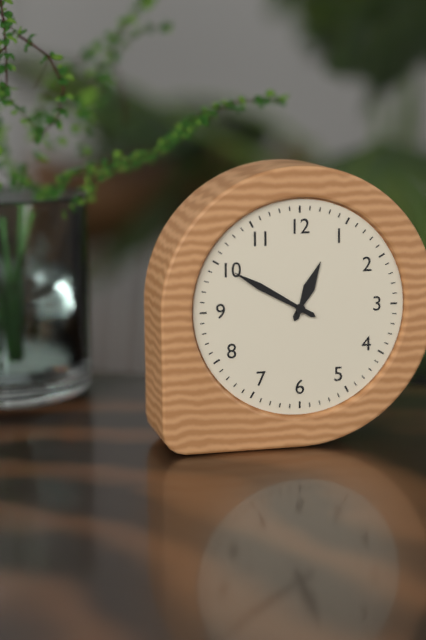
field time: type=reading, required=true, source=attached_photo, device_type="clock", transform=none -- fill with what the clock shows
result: 12:50
